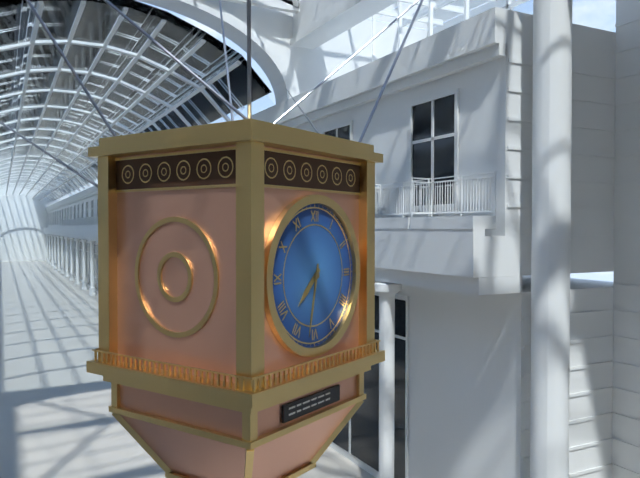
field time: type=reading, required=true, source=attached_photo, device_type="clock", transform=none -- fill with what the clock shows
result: 7:32
